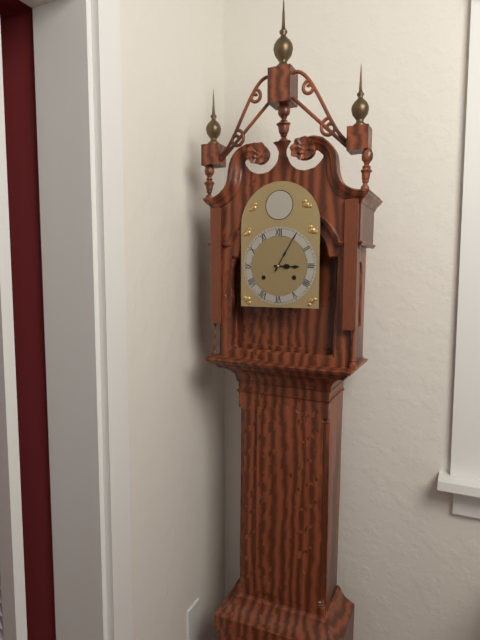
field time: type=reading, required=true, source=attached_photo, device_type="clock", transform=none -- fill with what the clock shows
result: 3:05
